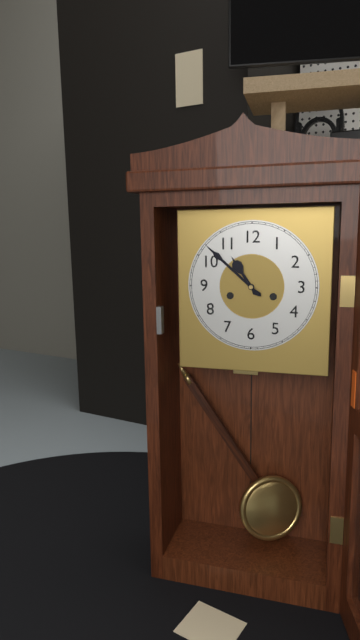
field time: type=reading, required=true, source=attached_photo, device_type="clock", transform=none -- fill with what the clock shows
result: 10:52
